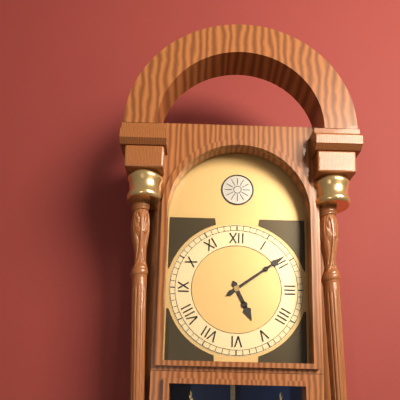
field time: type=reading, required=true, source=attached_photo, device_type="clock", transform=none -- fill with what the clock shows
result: 5:09
